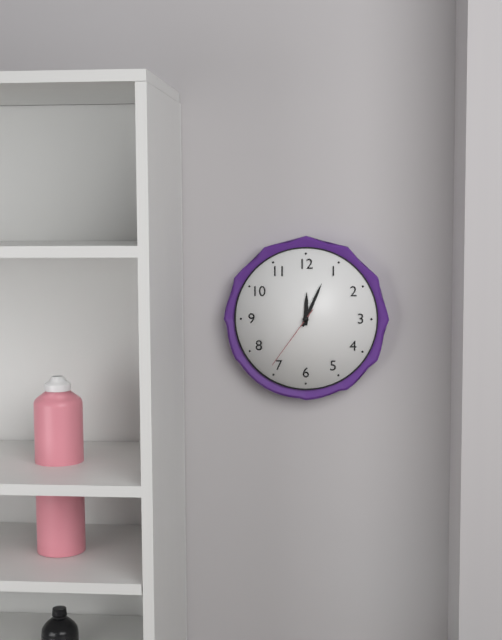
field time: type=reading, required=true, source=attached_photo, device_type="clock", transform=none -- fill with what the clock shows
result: 12:04:36
